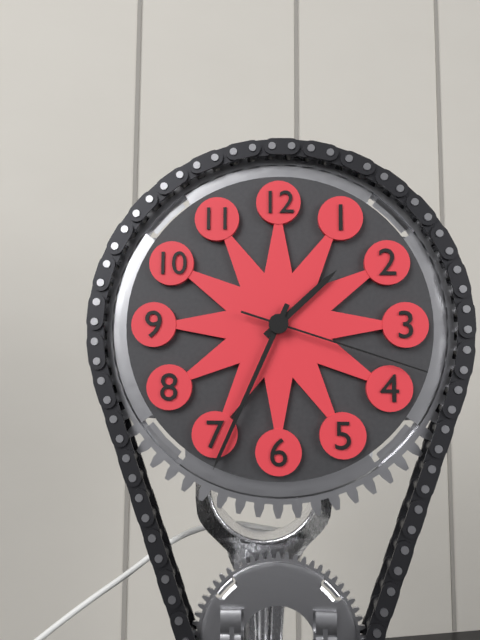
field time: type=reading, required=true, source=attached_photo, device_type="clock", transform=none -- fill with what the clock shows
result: 1:34:18
